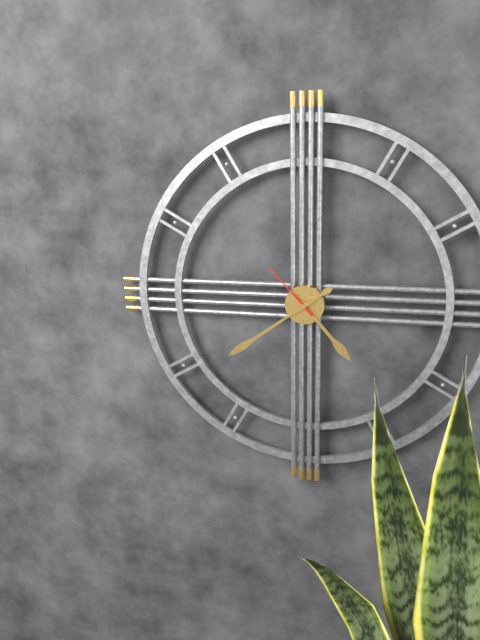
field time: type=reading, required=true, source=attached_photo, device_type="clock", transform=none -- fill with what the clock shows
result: 4:39:53
